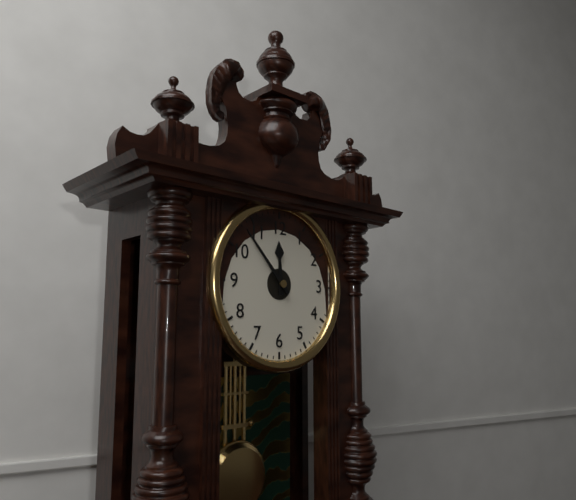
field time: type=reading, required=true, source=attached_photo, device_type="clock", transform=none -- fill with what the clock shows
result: 11:53
